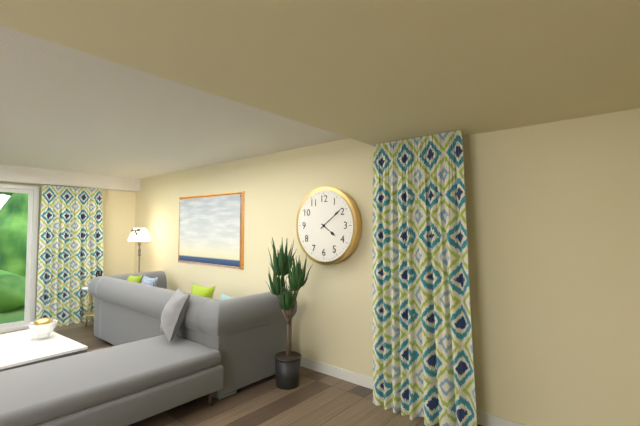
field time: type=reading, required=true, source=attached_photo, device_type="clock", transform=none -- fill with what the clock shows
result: 4:09
